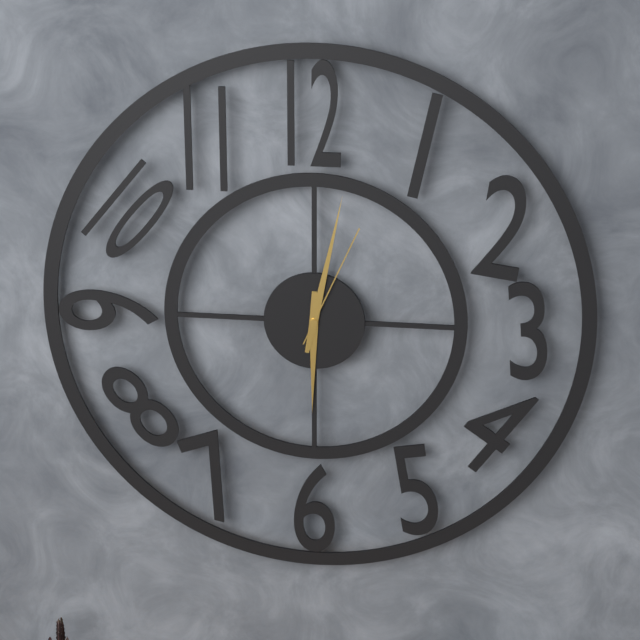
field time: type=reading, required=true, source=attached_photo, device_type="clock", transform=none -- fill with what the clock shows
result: 6:02:04
